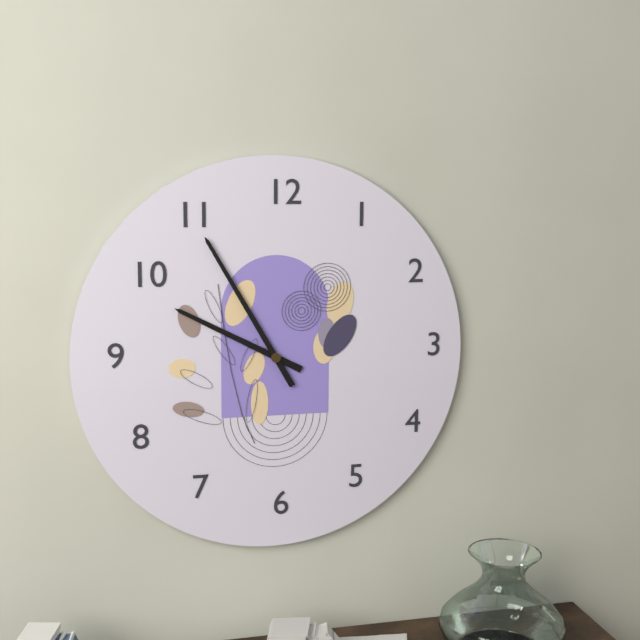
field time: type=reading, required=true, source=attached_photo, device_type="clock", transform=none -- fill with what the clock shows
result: 9:55
